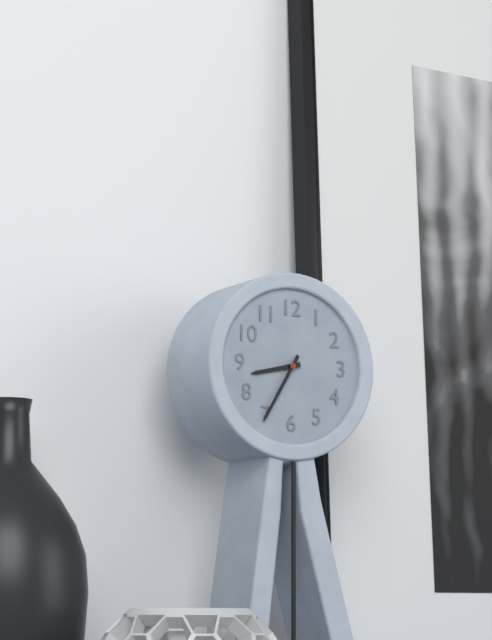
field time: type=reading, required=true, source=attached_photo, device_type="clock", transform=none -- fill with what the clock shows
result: 8:35
